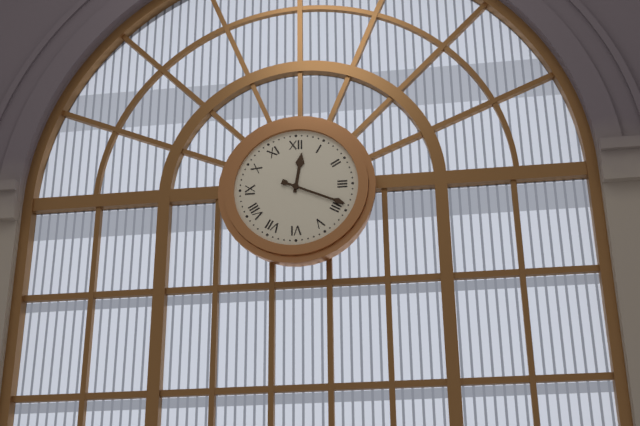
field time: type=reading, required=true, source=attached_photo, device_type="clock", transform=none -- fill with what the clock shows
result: 12:19
